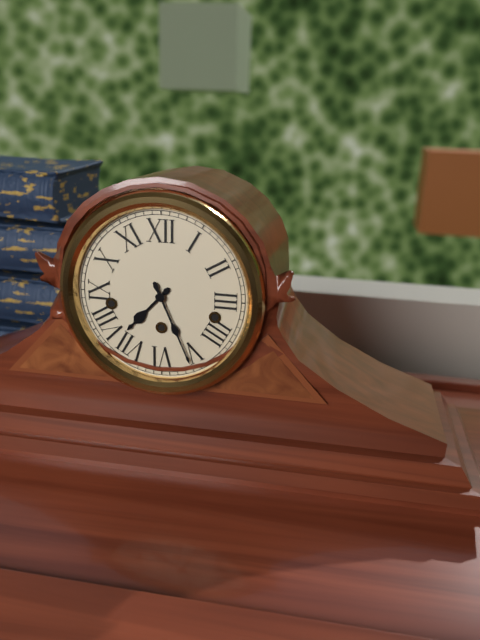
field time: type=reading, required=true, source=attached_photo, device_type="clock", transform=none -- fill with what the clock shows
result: 7:26
